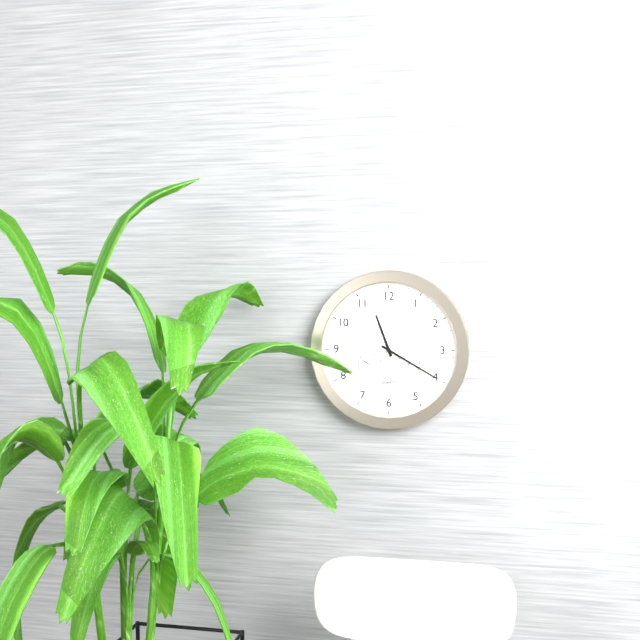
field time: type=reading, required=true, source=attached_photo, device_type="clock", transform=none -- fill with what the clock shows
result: 11:20:06
